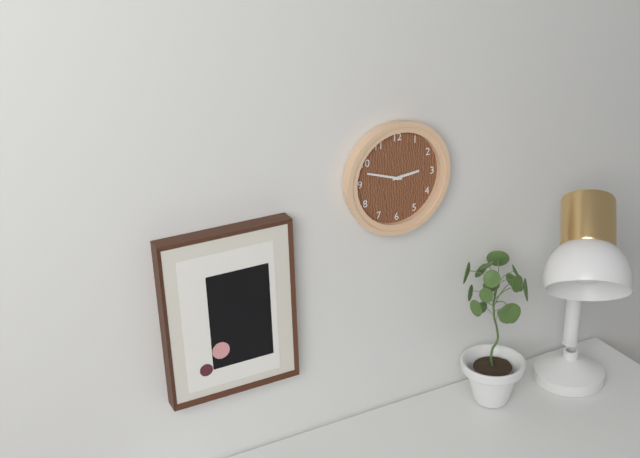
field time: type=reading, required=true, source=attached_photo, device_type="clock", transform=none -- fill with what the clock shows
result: 2:48
